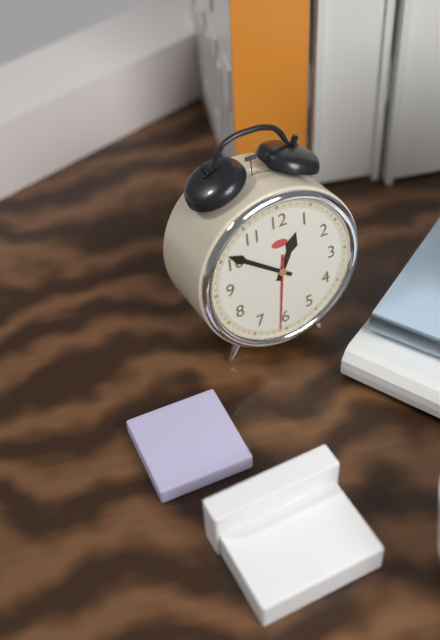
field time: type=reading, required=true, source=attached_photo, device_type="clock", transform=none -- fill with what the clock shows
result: 12:51:31
